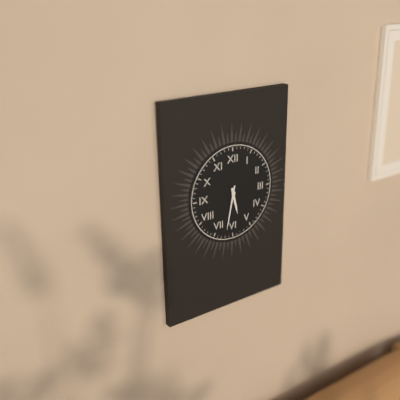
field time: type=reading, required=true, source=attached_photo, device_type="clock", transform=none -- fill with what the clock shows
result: 5:32
